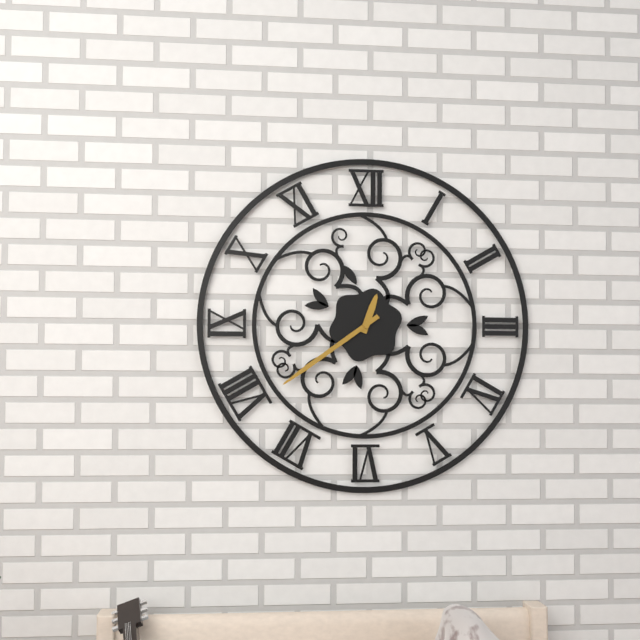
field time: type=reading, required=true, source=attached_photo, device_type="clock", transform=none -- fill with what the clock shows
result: 12:39
